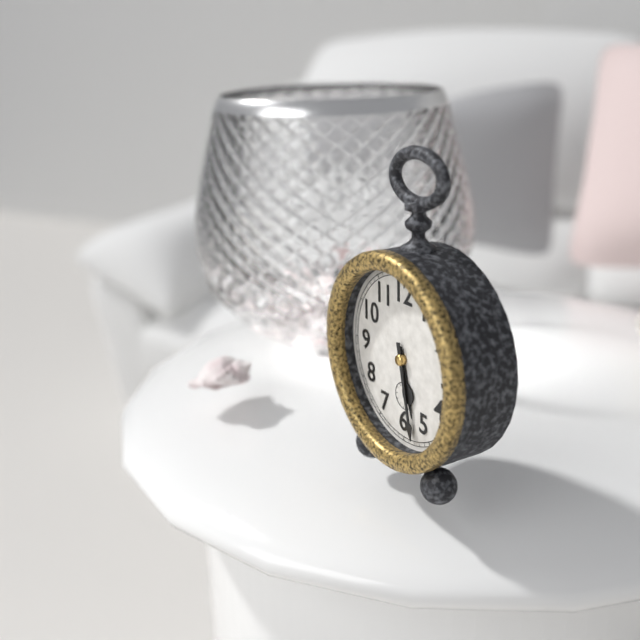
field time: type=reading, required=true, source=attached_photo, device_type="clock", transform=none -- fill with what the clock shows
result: 5:28
